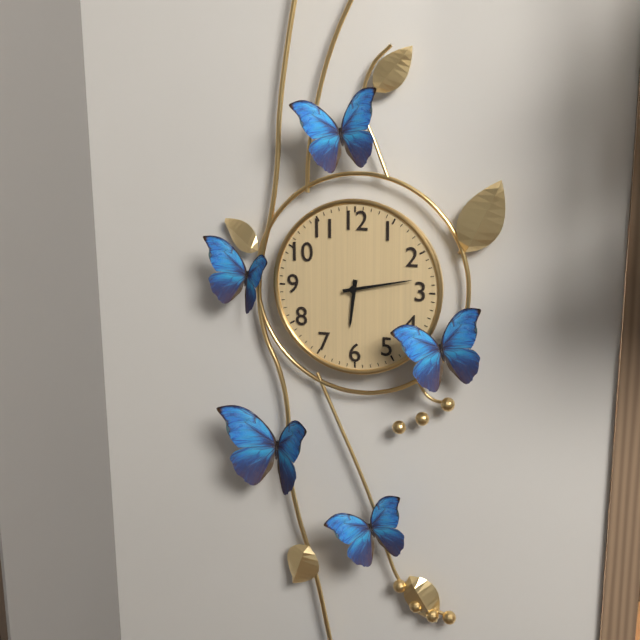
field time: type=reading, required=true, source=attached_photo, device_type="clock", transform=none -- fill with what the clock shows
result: 6:13
